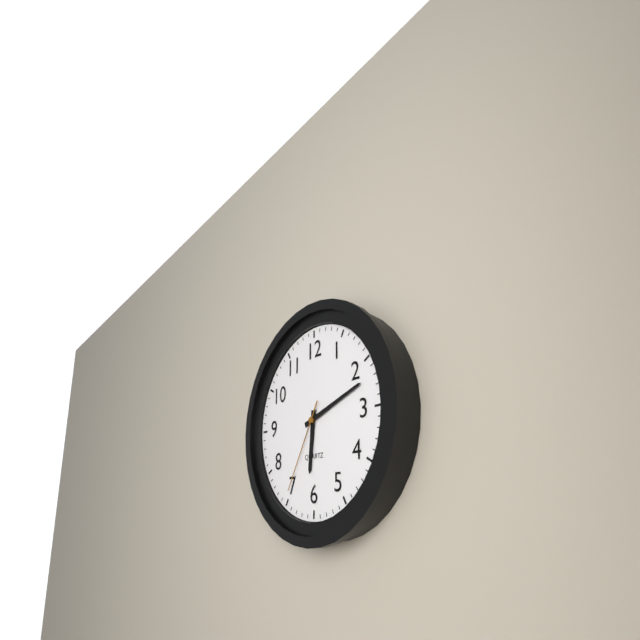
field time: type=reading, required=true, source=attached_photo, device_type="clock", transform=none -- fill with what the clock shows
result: 6:12:35
